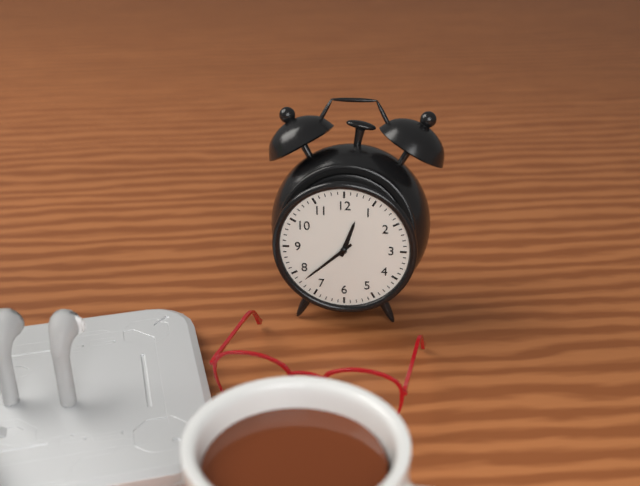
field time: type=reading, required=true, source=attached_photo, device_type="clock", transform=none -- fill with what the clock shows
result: 12:38
